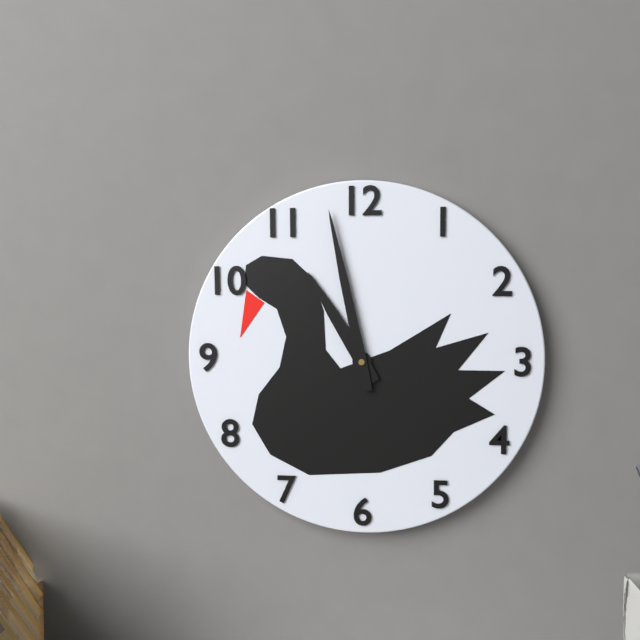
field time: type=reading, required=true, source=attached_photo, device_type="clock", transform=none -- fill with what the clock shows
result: 10:58
